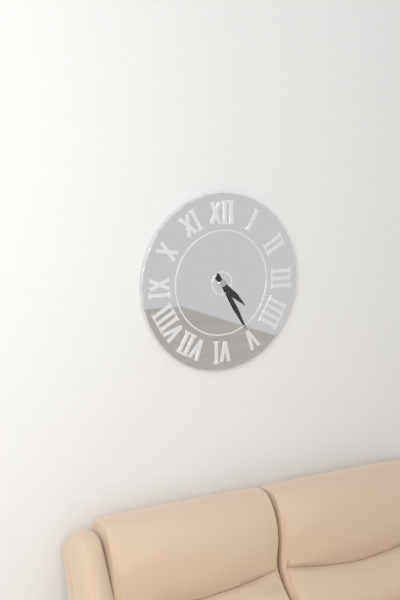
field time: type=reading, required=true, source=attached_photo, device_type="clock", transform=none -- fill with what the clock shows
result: 4:25
